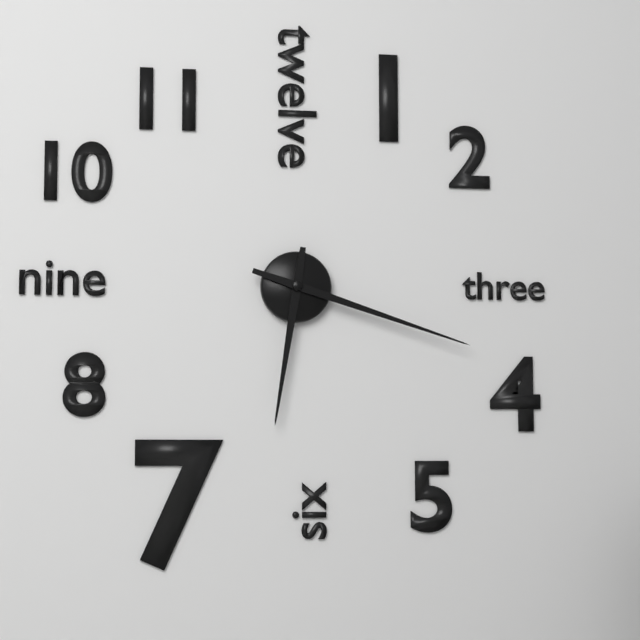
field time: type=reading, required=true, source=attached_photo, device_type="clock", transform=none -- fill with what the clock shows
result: 6:18
